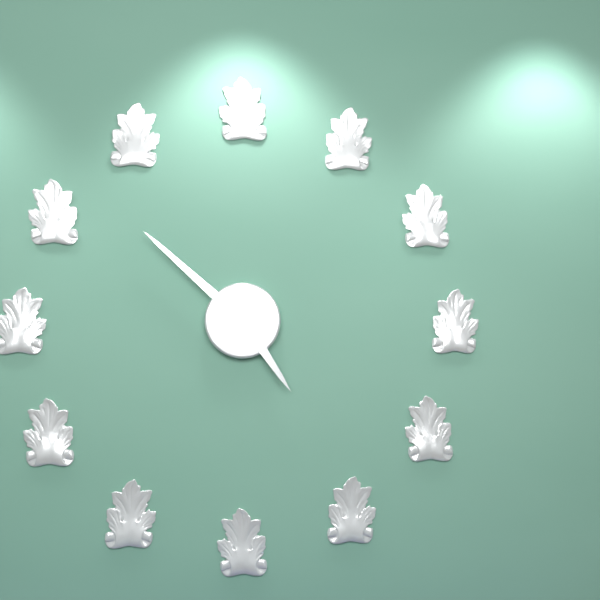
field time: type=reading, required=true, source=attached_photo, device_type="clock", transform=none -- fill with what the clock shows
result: 4:52
